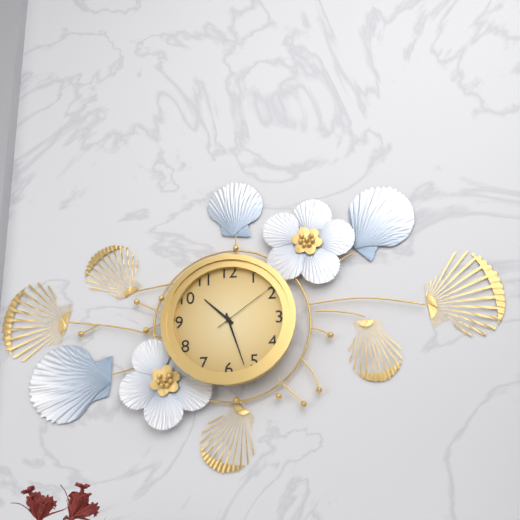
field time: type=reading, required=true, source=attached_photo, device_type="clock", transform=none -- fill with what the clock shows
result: 10:27:09
